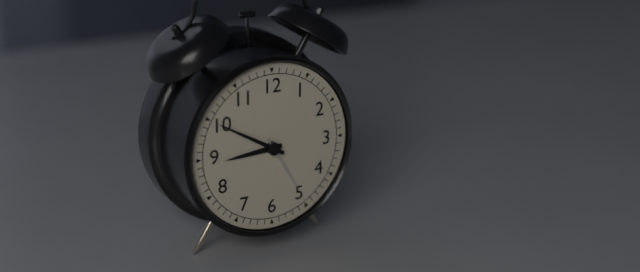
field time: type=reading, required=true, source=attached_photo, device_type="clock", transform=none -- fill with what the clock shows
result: 8:50:25
